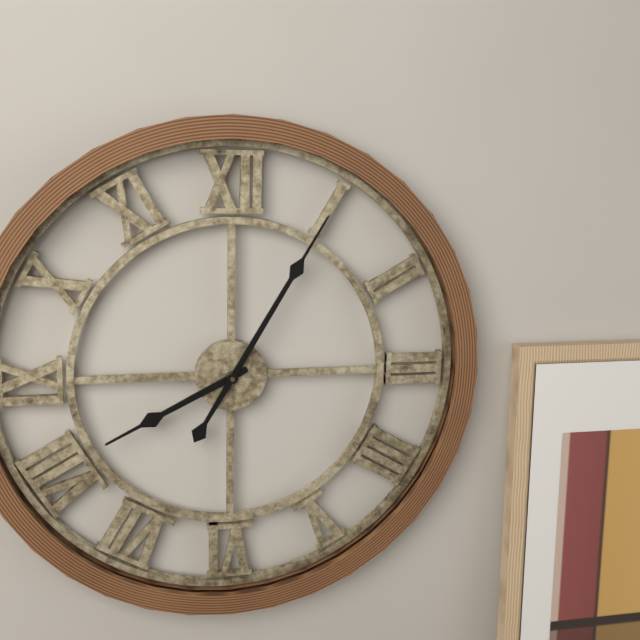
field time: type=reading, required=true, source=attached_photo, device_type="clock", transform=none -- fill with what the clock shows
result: 8:05
